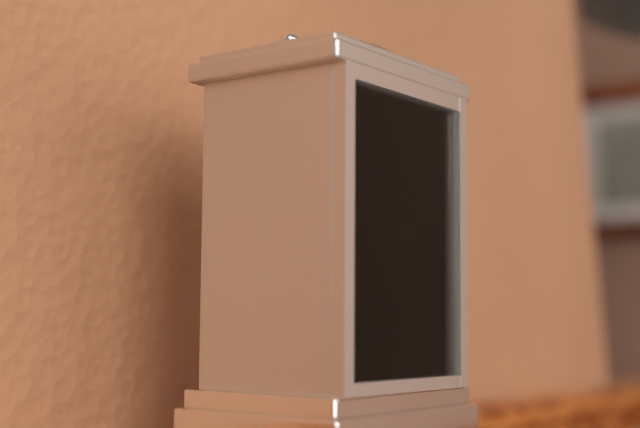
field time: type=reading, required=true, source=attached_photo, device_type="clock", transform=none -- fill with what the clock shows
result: 10:58
